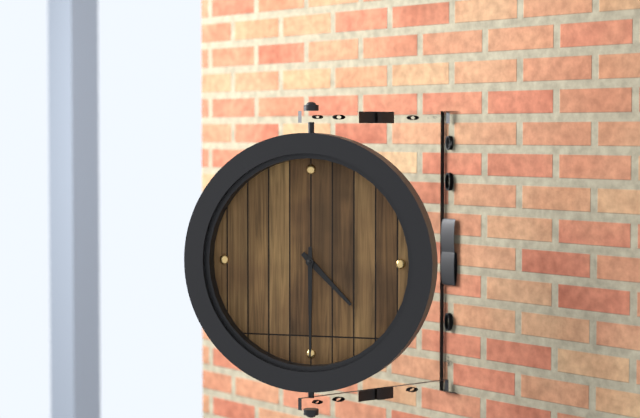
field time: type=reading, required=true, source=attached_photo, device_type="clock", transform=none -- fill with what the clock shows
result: 4:30
